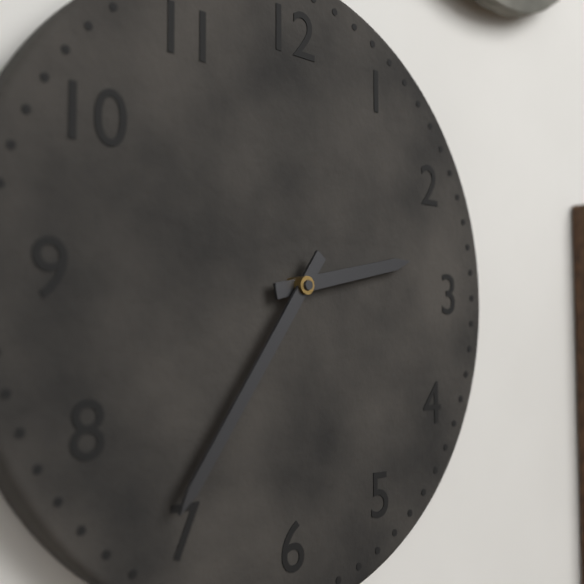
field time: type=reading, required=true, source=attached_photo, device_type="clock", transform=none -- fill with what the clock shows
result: 2:36
